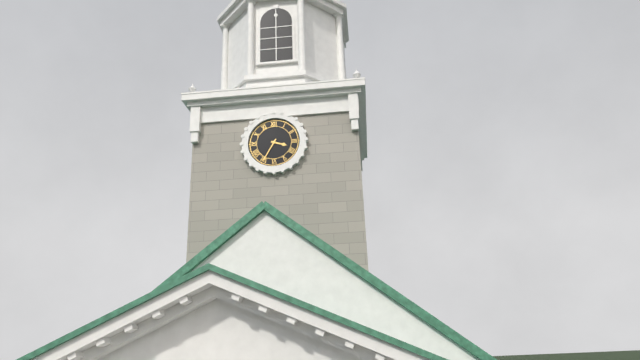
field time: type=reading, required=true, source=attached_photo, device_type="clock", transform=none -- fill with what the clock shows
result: 3:35
